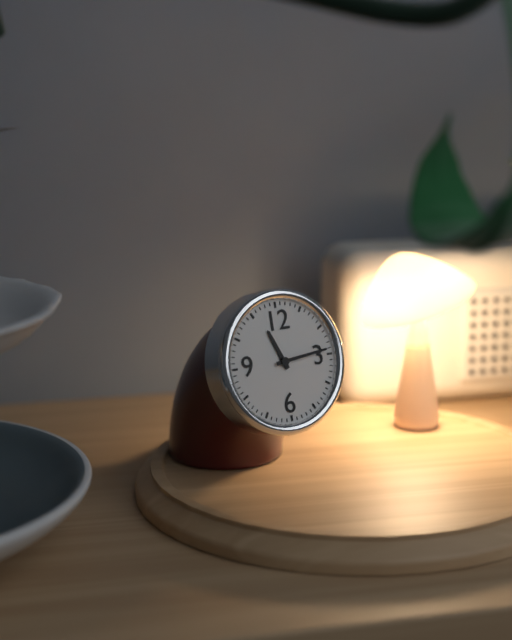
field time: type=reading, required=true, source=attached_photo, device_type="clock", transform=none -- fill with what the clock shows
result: 11:14
